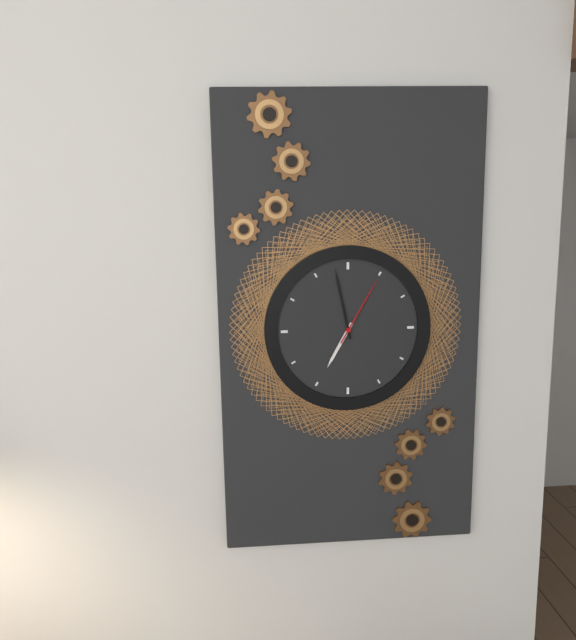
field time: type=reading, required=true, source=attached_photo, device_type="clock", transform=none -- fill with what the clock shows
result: 6:58:05
